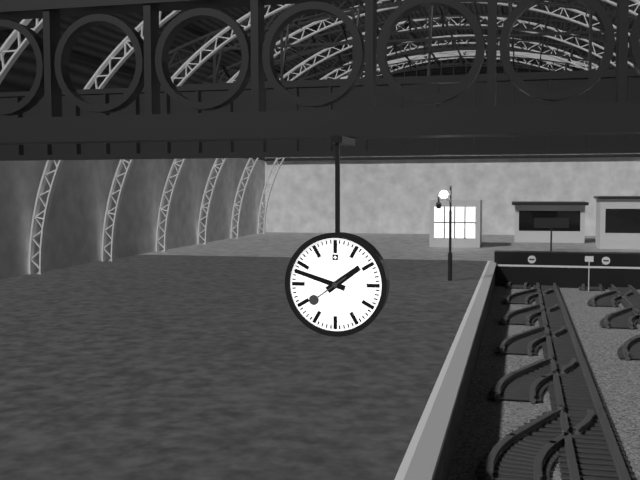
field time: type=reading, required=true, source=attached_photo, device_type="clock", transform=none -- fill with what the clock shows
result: 1:48
